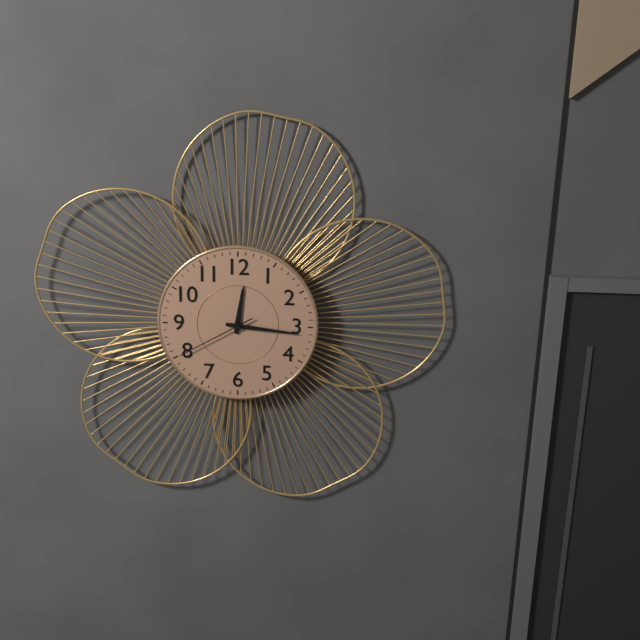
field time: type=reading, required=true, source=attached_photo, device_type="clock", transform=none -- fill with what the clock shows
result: 12:16:40
